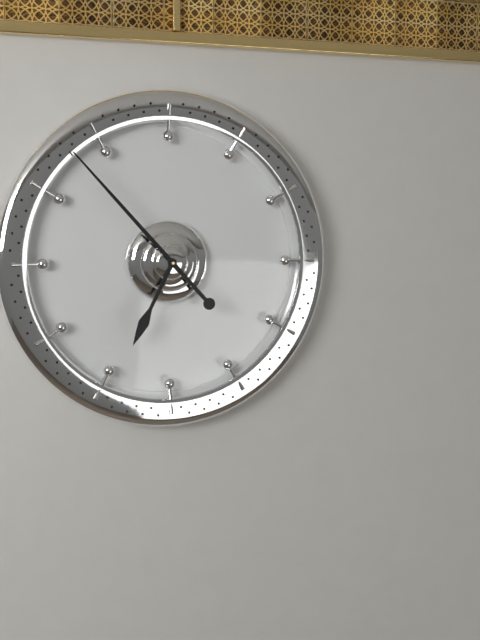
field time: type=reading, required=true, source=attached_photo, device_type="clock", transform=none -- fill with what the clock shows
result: 6:53
